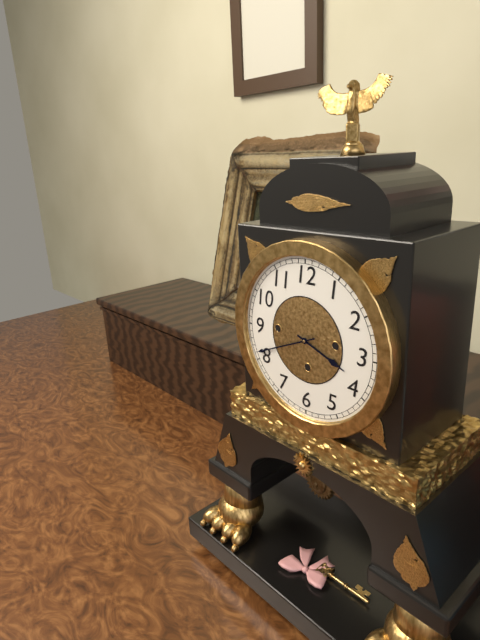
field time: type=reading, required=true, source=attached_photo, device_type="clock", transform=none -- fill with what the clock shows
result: 3:41
